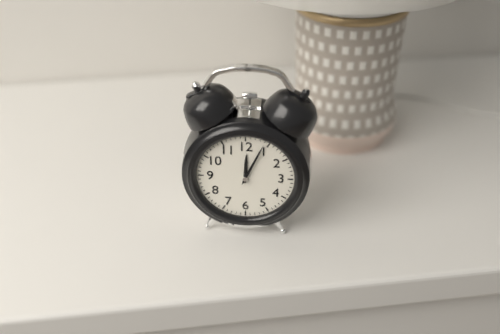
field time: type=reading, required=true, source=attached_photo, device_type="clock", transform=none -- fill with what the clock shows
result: 12:04
